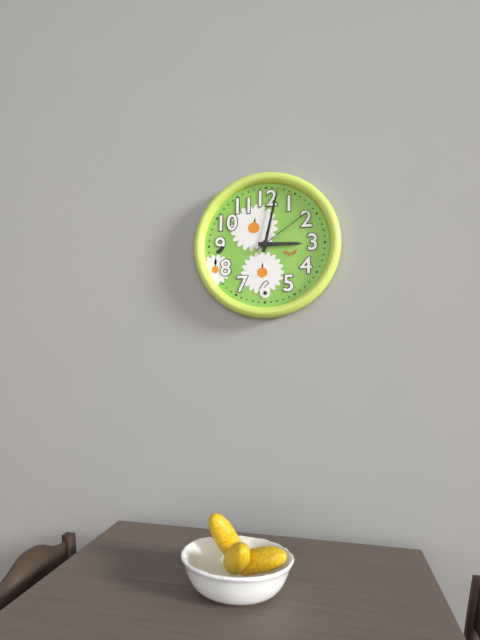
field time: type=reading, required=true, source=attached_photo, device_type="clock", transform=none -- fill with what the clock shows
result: 3:02:09
